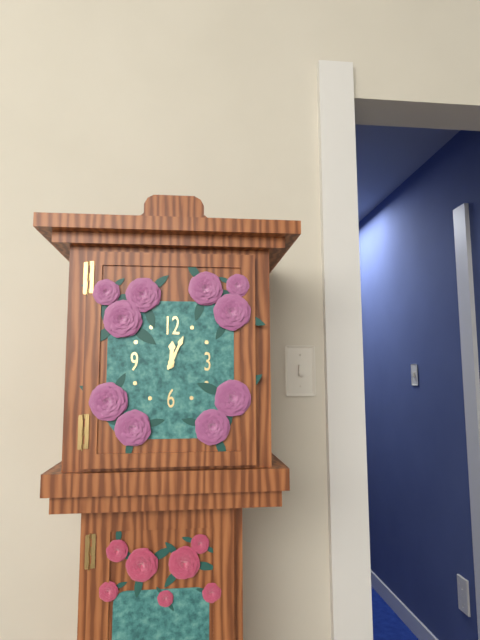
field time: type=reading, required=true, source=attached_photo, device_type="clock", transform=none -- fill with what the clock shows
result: 12:04
